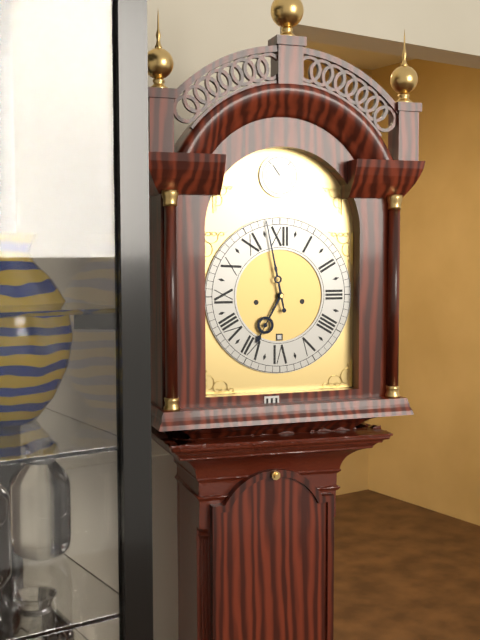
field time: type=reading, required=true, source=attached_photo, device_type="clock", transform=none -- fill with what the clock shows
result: 6:58
